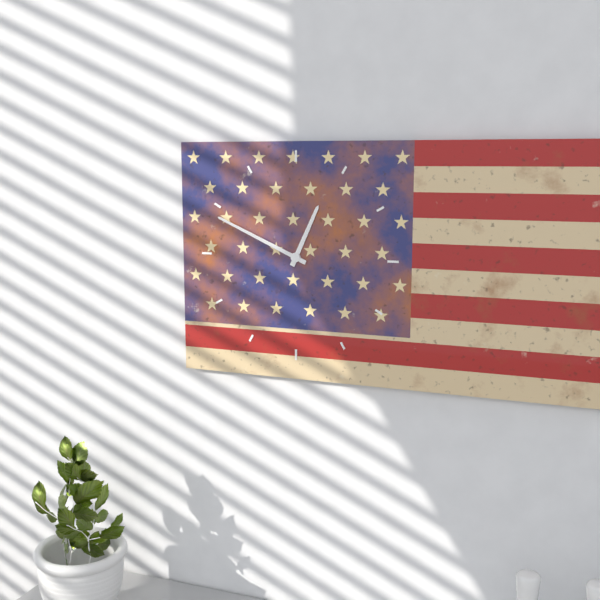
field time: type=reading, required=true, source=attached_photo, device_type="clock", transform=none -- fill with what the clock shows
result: 12:49
